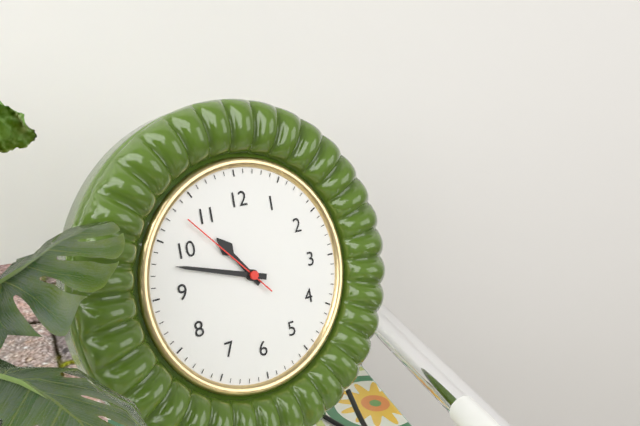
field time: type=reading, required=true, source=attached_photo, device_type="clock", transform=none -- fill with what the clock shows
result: 10:48:53
